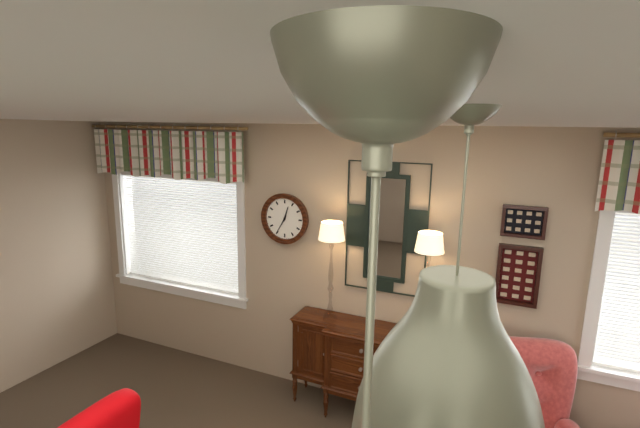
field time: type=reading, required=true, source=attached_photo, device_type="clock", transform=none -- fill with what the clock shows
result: 12:35
